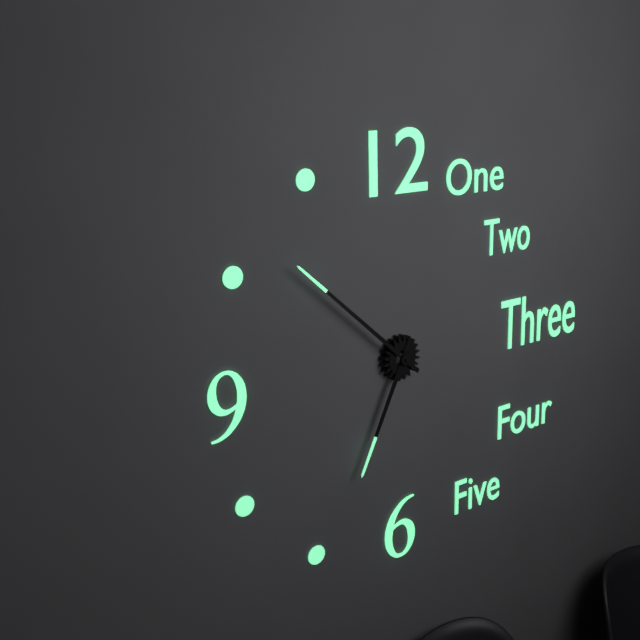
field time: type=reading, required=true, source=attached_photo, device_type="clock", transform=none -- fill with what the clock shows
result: 6:52
